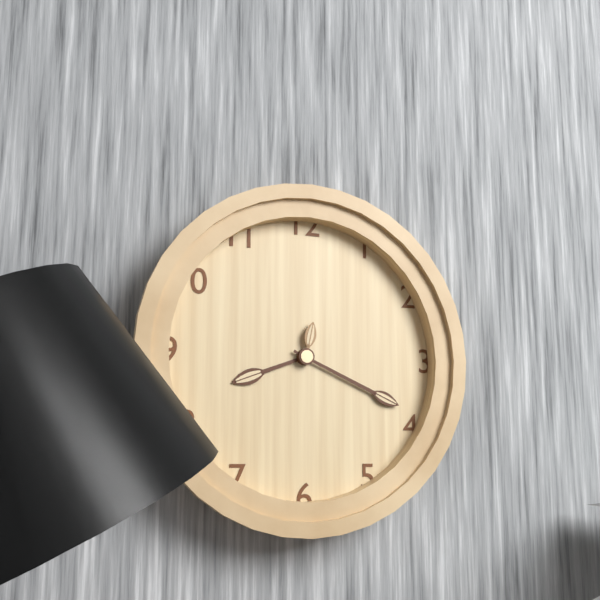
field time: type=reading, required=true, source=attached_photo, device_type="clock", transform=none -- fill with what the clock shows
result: 8:19
